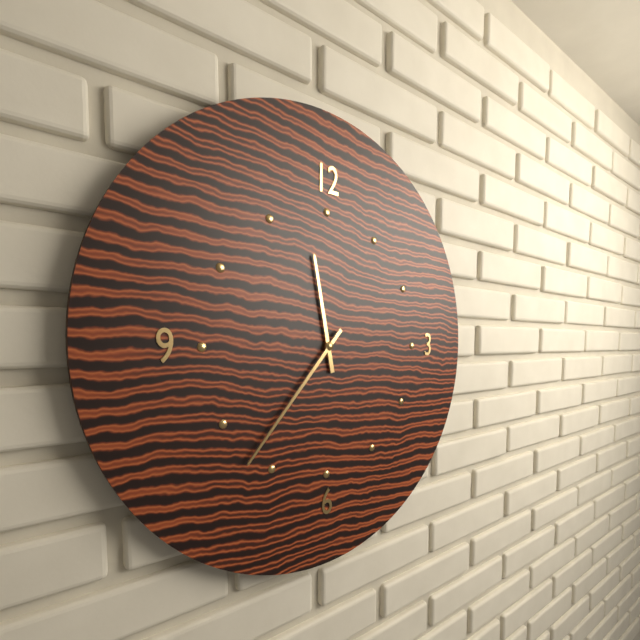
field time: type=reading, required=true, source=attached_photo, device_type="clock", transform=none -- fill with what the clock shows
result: 11:37
